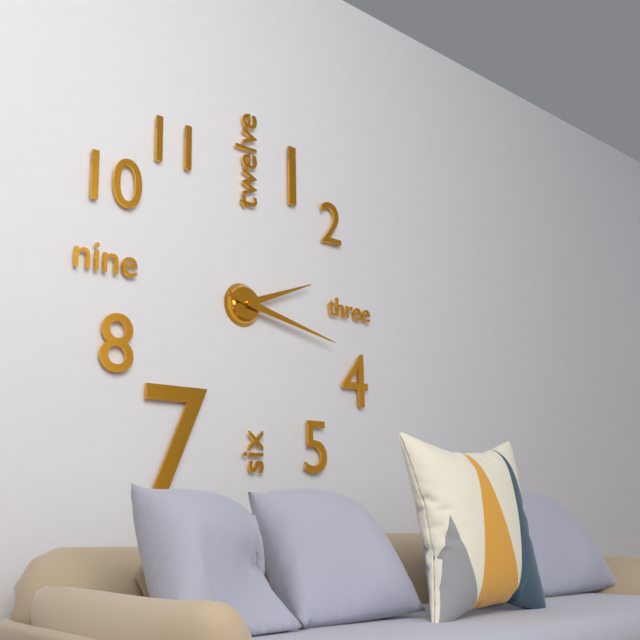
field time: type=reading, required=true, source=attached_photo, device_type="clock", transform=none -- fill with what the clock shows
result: 2:17
